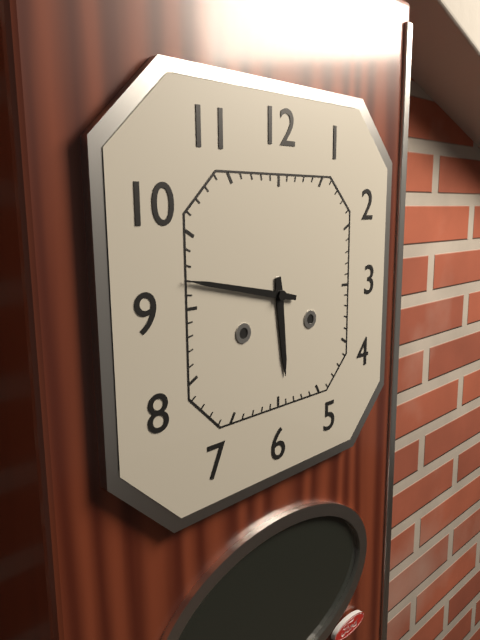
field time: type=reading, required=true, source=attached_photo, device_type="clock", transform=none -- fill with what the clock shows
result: 5:47
